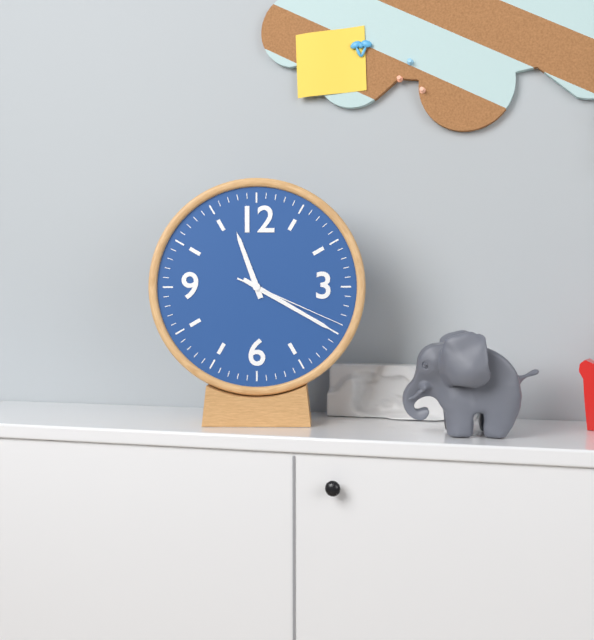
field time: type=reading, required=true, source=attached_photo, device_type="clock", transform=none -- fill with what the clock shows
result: 11:20:19
